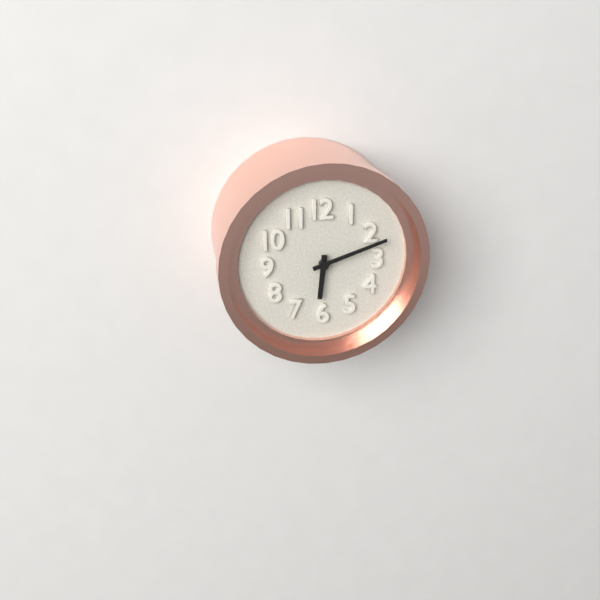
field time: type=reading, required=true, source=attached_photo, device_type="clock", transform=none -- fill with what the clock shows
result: 6:12
